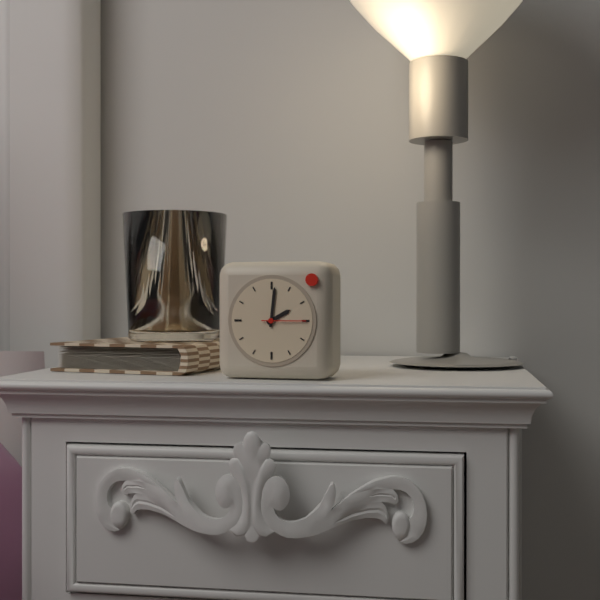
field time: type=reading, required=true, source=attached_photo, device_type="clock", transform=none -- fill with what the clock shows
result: 2:01
